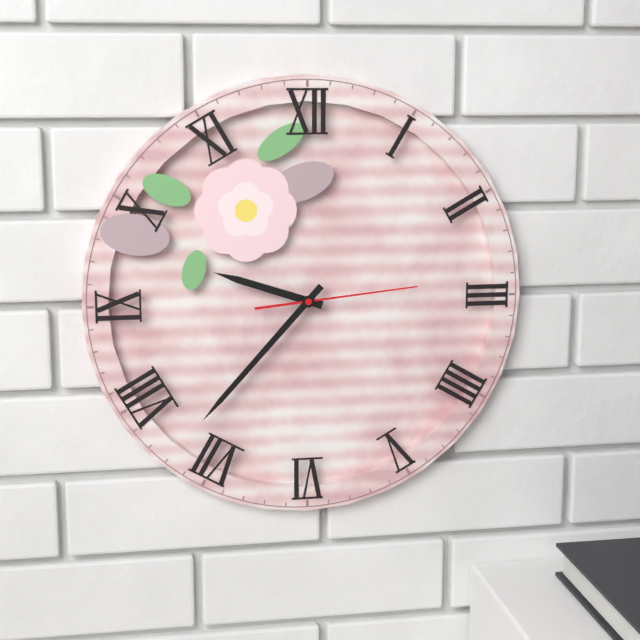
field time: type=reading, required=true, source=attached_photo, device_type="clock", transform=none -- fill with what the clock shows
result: 9:37:14
